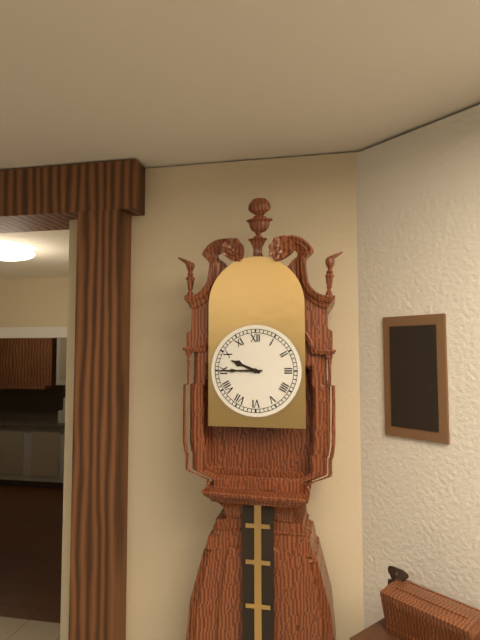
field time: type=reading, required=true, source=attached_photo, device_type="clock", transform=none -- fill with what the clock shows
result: 9:45
